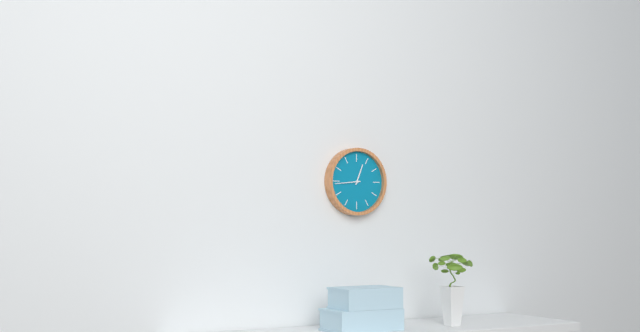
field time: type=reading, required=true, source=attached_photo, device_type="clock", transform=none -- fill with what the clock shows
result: 12:44
